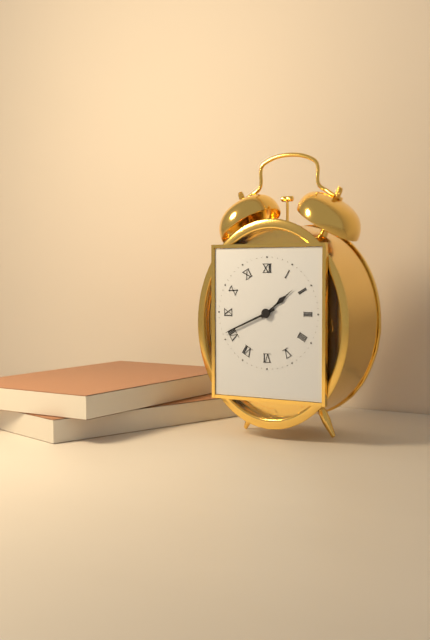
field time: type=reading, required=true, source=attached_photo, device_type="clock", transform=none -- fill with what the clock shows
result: 1:41
